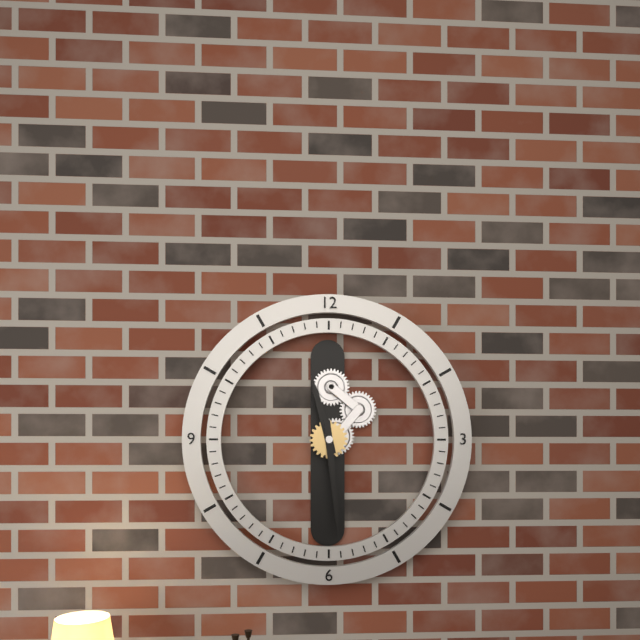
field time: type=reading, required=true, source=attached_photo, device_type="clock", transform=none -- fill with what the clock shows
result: 11:29
